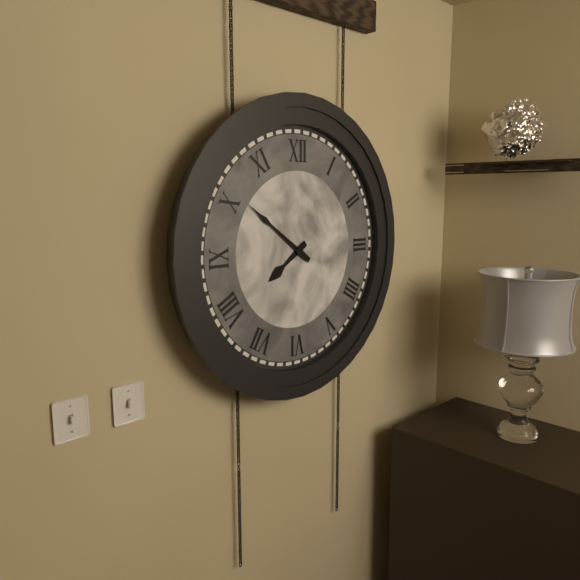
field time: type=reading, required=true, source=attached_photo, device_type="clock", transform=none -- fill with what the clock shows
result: 7:51
